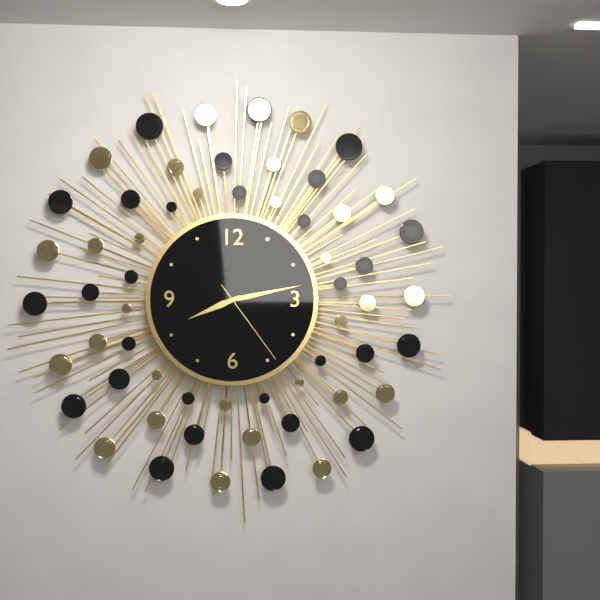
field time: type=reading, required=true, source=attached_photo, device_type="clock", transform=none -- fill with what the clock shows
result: 8:13:24
